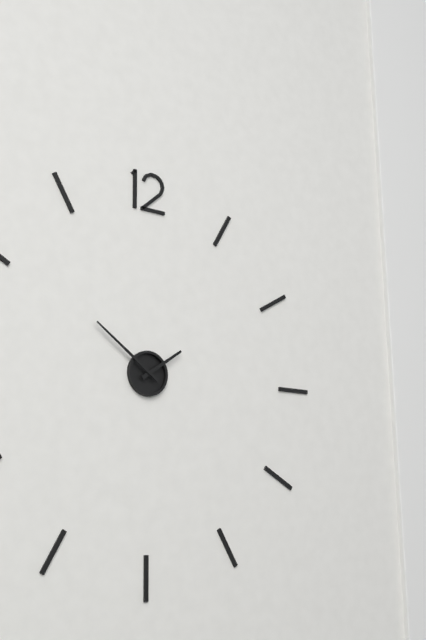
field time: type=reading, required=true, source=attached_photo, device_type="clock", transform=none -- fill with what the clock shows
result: 1:51
